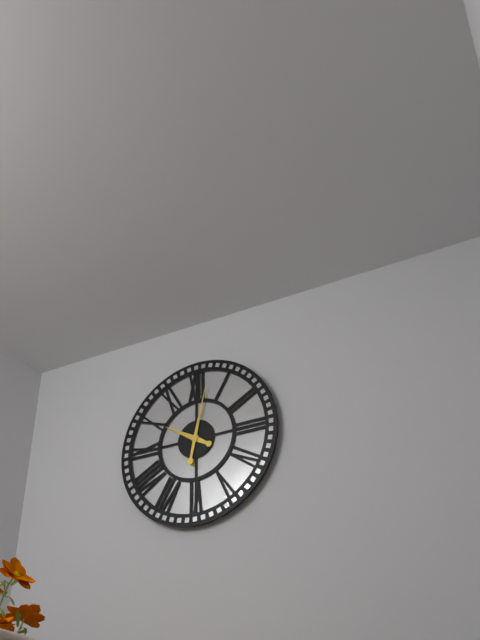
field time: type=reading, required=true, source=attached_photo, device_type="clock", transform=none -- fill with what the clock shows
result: 10:02
